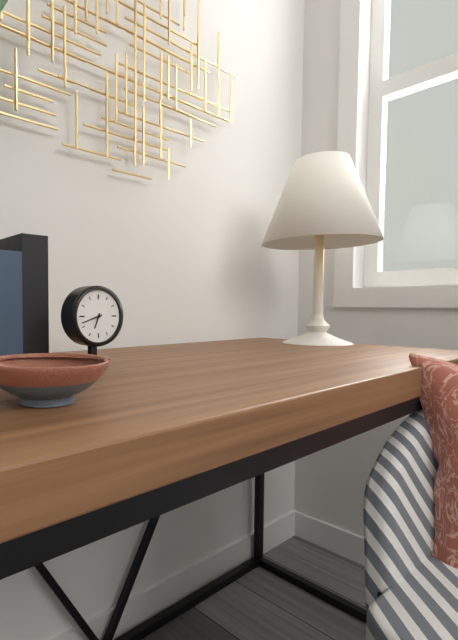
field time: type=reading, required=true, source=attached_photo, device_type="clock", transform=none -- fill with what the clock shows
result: 6:42
